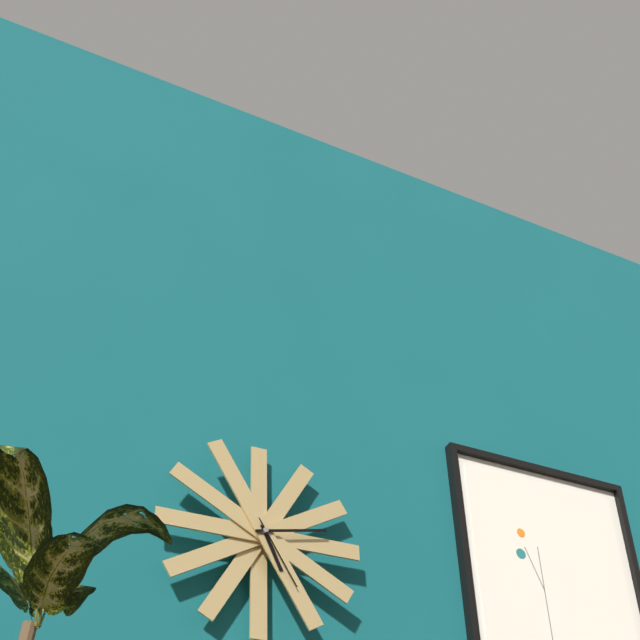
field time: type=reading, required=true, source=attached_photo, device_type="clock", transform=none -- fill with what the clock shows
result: 5:13:25
